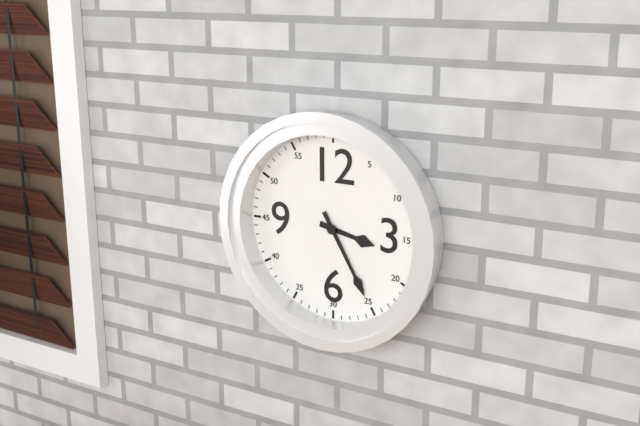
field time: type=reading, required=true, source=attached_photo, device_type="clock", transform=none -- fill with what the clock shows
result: 3:25
